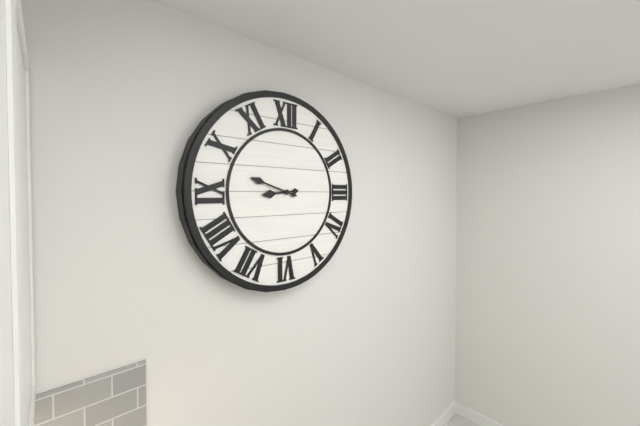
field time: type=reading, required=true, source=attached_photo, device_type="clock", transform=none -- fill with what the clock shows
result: 8:48
